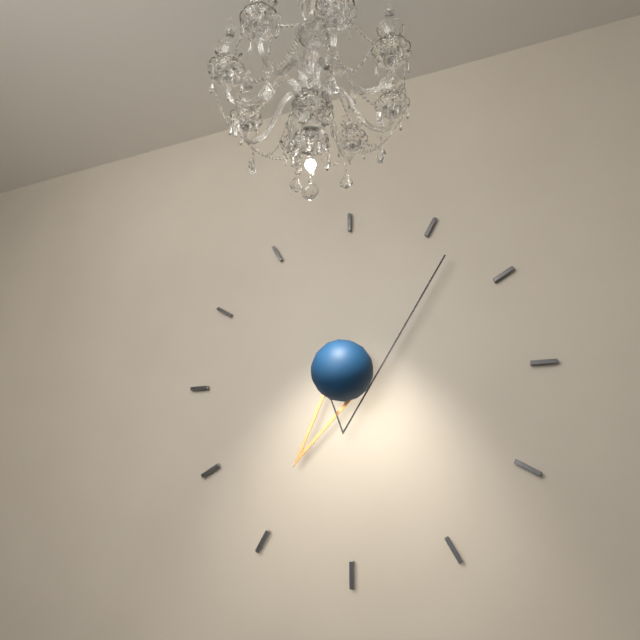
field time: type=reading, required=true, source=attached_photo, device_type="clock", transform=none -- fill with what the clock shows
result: 7:07
